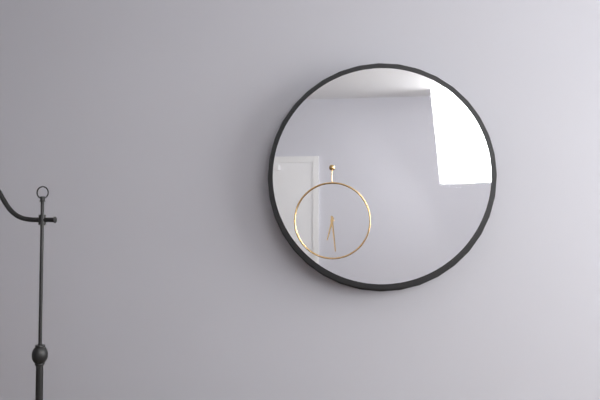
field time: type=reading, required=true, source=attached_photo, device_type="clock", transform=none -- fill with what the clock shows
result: 6:29
